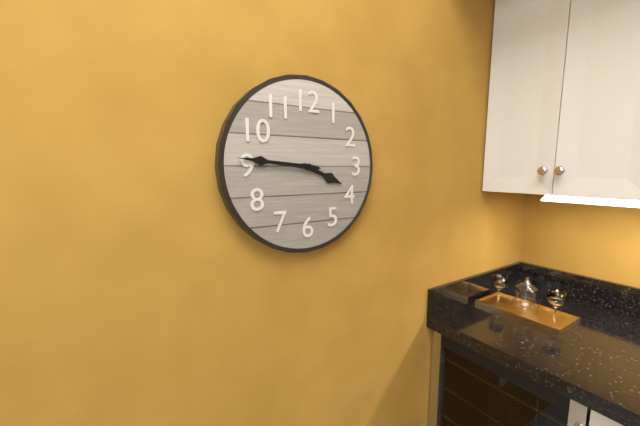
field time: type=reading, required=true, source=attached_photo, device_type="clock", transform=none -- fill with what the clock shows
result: 3:46
